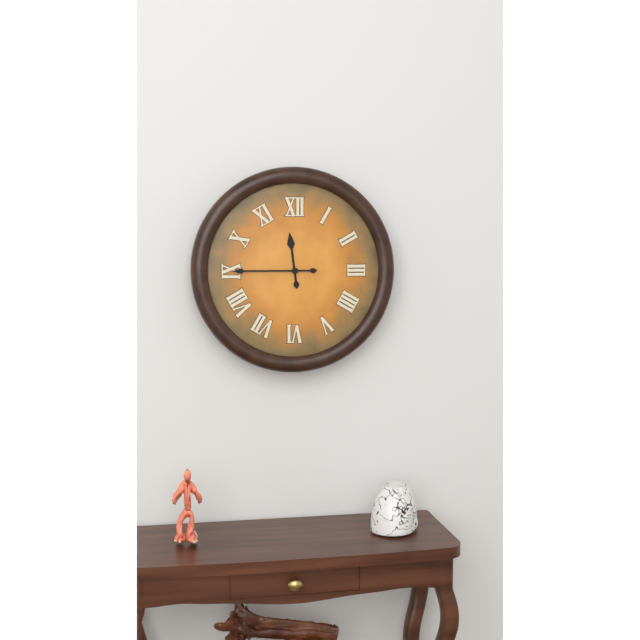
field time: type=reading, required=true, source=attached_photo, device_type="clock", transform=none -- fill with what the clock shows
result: 11:45
